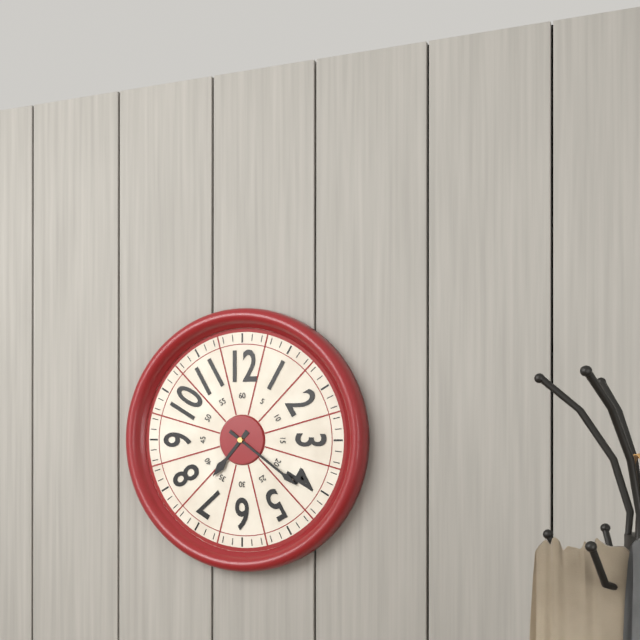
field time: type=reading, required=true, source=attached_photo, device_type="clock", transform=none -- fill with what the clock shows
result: 7:21
